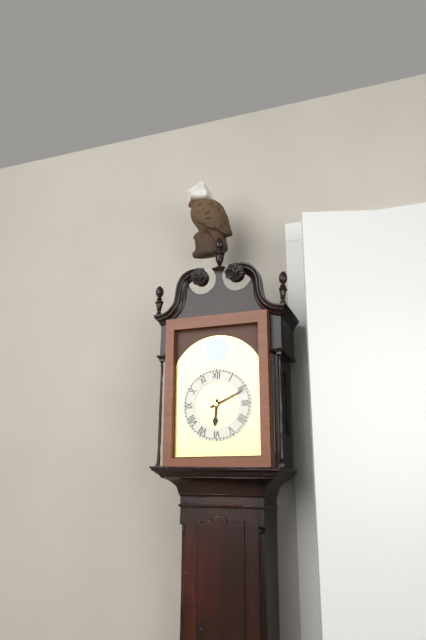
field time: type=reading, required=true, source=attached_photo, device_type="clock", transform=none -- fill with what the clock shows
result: 6:11
